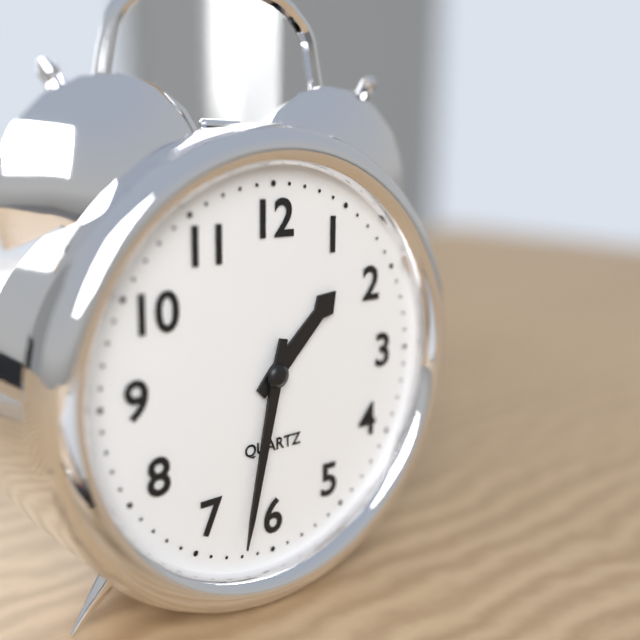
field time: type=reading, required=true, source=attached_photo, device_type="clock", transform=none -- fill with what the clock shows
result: 1:32
